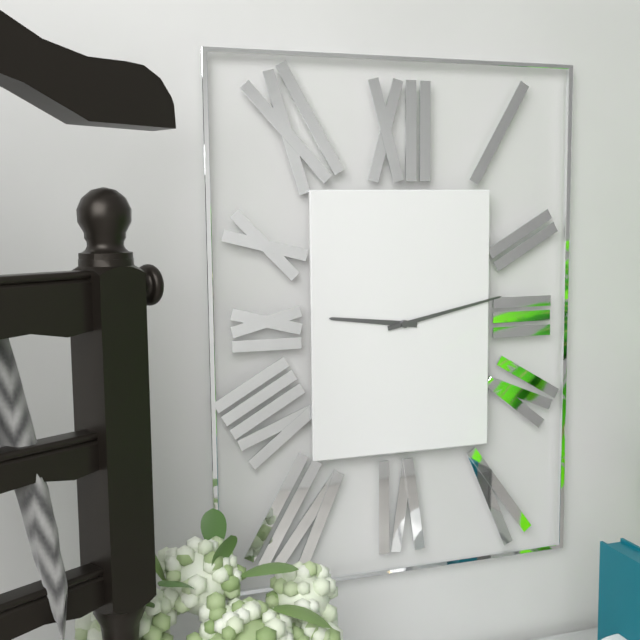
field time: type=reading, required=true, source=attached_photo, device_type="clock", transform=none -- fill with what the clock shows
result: 9:13
